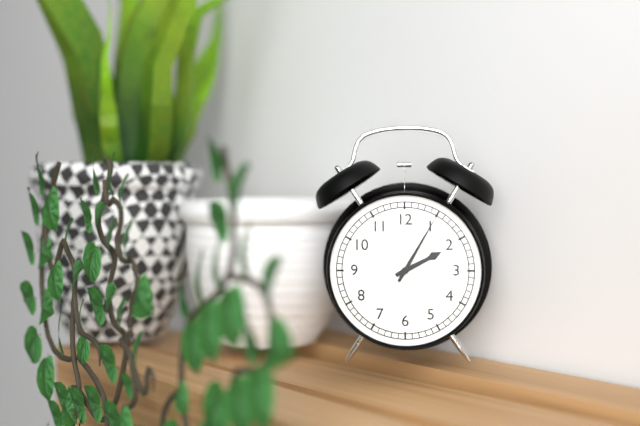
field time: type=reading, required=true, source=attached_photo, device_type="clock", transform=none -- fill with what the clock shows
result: 2:05
